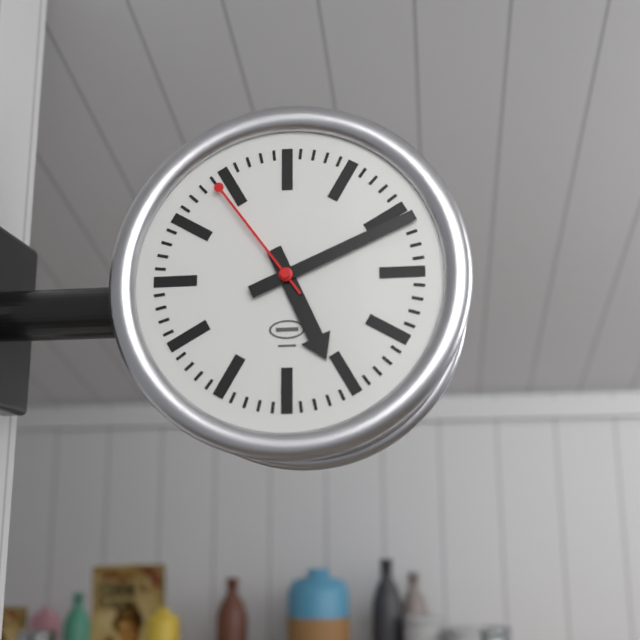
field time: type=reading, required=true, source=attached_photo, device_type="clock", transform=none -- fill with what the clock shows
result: 5:11:54
